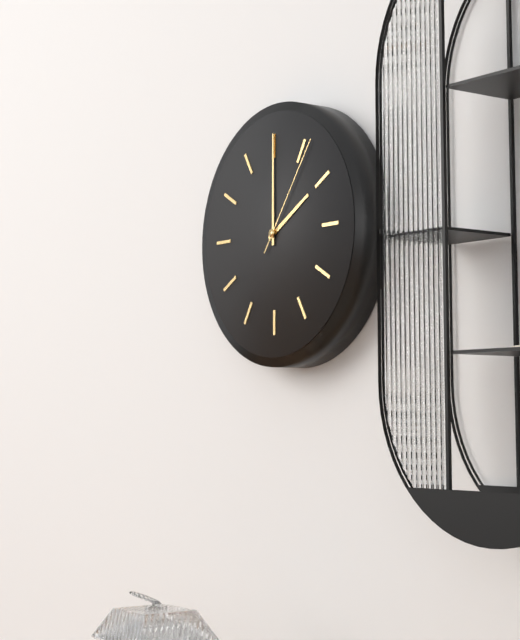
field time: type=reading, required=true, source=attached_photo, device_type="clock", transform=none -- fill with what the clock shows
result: 2:00:06
